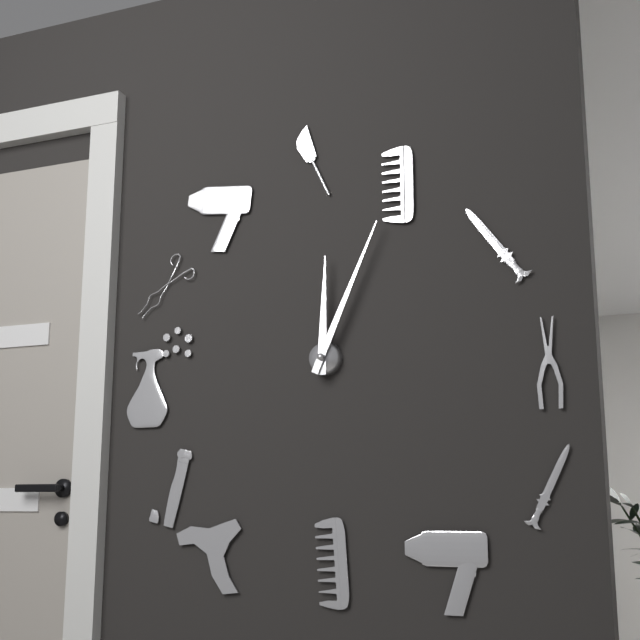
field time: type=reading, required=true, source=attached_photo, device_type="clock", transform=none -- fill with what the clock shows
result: 12:04
